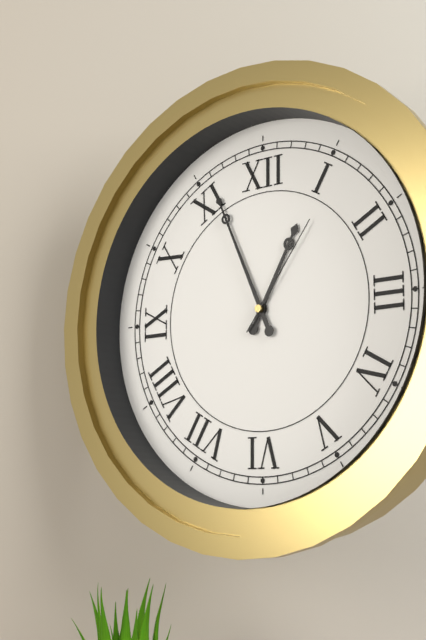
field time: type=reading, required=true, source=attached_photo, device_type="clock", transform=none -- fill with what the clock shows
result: 12:56:06
